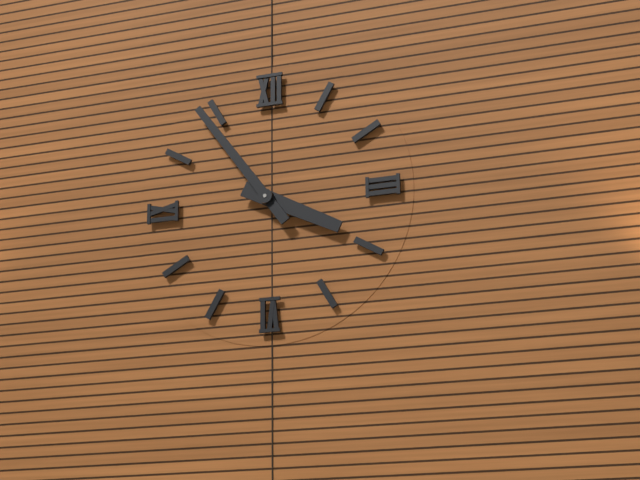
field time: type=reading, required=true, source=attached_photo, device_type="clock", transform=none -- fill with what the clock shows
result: 3:54
